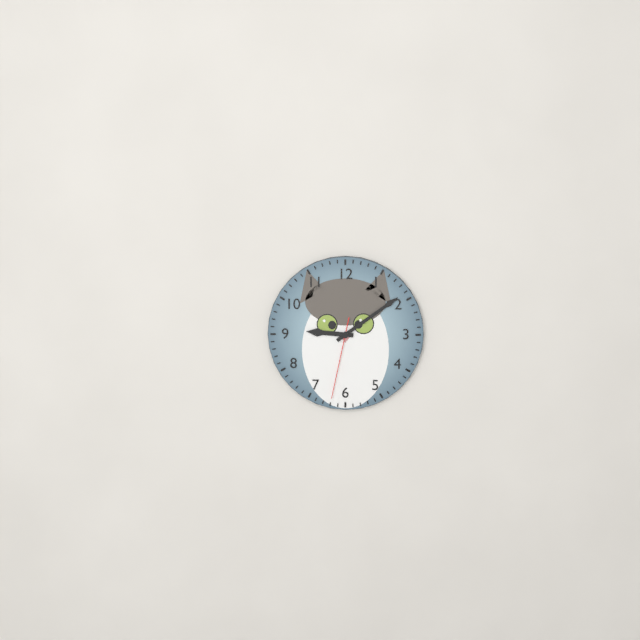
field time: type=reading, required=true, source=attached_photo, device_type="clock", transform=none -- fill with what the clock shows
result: 9:09:32
